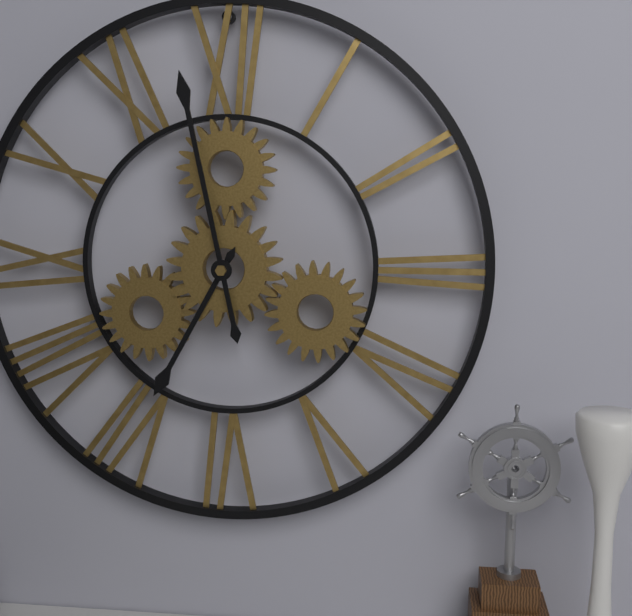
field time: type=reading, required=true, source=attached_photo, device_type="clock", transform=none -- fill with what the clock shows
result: 6:58
